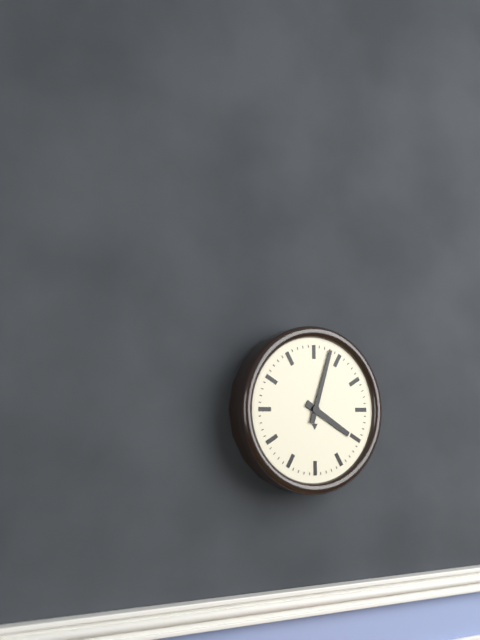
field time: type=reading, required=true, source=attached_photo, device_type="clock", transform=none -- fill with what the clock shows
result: 4:03
